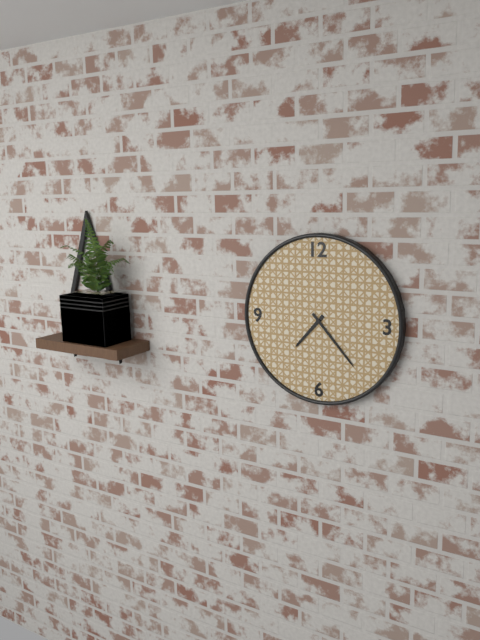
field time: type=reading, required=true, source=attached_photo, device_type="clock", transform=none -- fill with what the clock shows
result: 7:23
